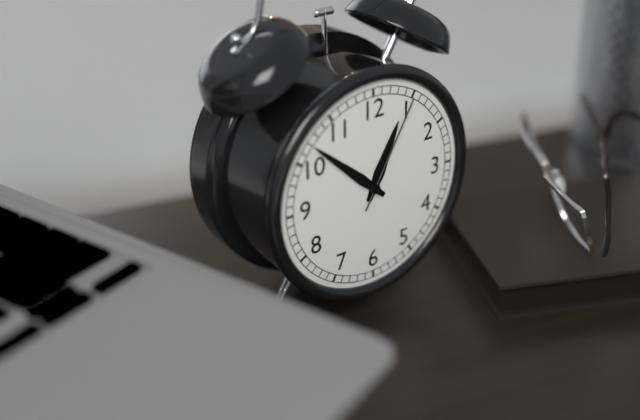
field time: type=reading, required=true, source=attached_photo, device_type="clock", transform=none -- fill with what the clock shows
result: 12:52:05
